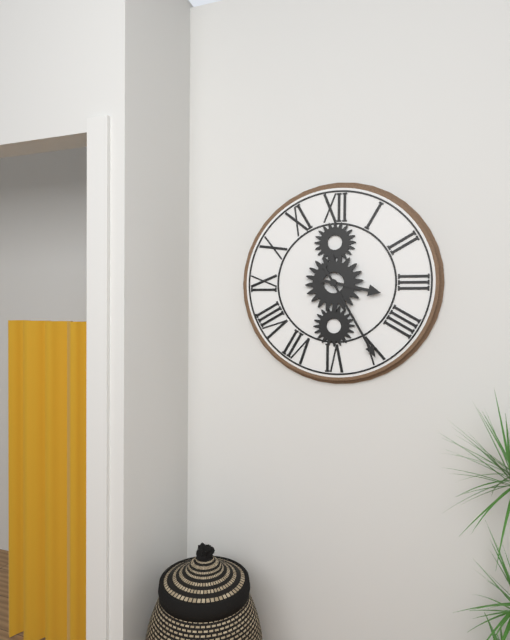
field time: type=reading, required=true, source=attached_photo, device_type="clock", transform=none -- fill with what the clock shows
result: 3:25
